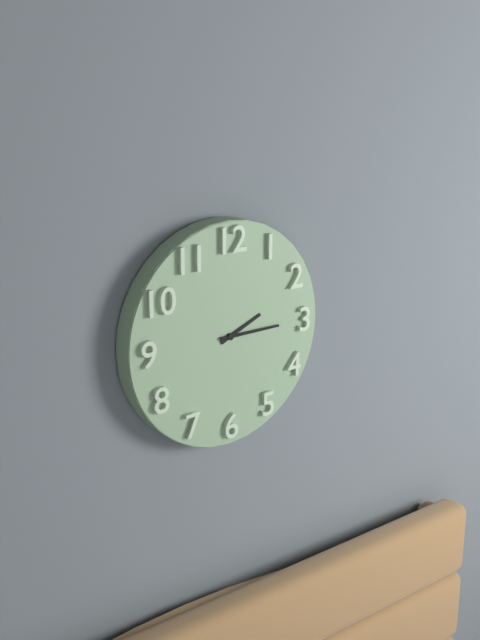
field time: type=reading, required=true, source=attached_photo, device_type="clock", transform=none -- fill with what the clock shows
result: 2:15
